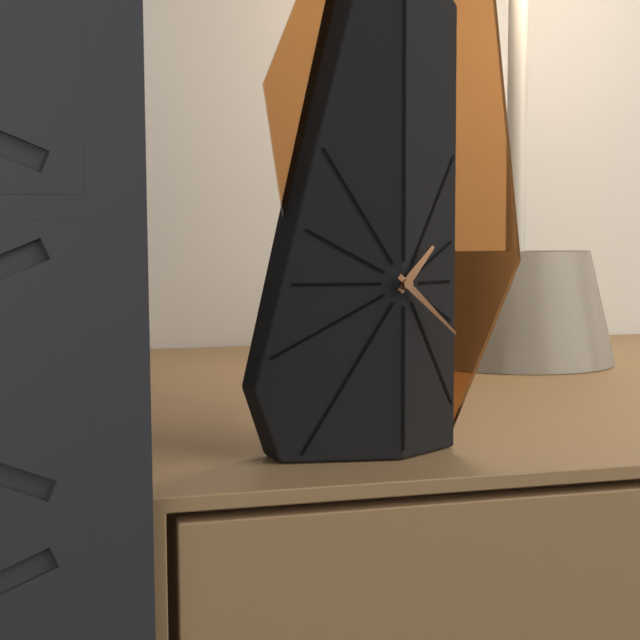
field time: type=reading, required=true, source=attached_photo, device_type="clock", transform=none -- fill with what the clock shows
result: 1:22
